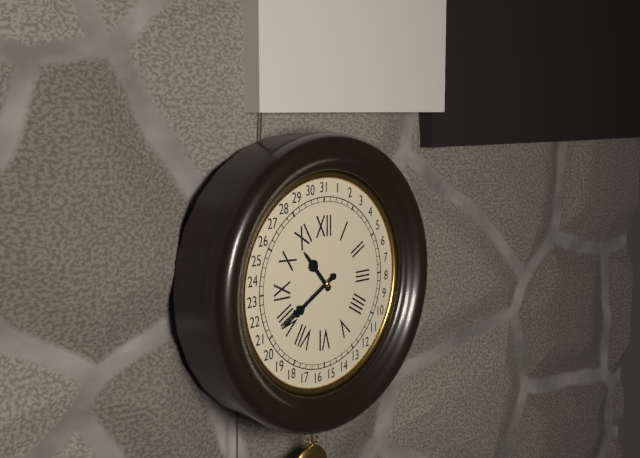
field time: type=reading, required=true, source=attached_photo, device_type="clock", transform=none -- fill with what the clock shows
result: 10:40
